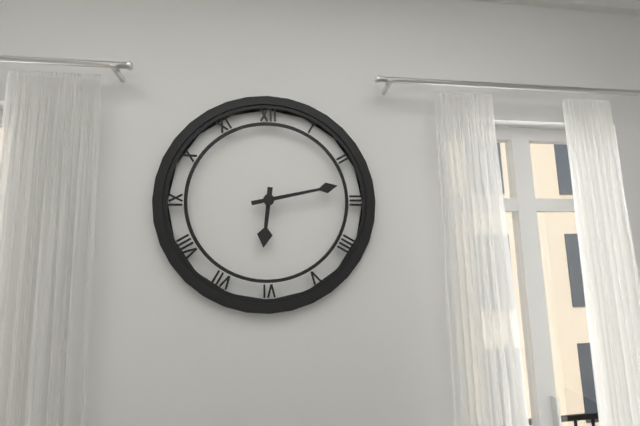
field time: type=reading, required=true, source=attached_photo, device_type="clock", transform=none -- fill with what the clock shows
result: 6:13
